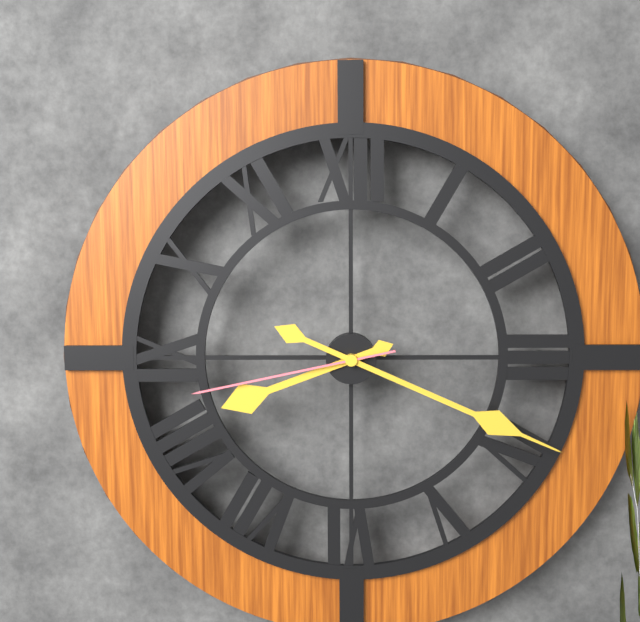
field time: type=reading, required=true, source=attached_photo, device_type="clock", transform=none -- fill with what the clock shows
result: 8:19:43
